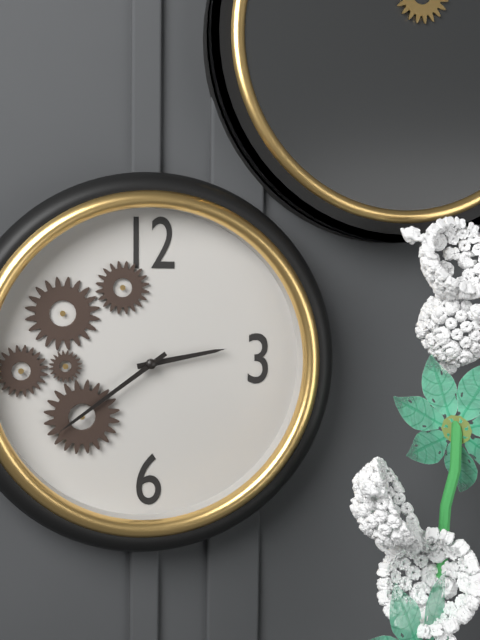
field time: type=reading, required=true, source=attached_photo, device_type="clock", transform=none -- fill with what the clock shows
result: 2:39
